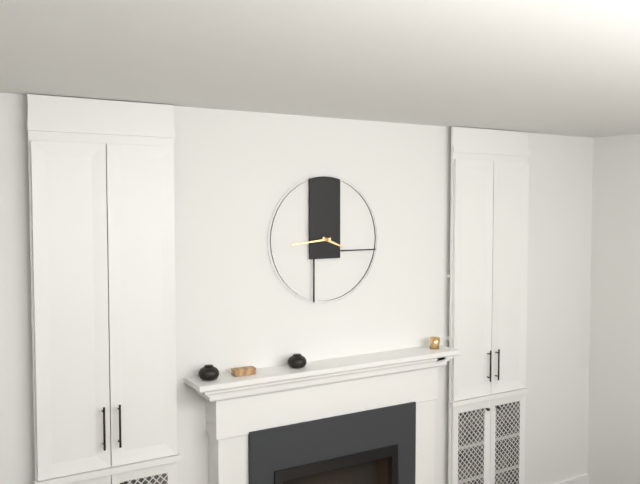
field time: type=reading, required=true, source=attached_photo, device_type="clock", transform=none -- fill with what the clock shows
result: 3:44
